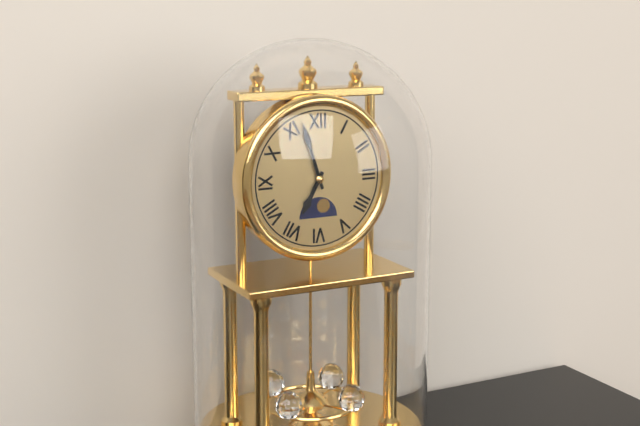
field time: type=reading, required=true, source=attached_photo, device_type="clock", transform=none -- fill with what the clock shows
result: 6:57
